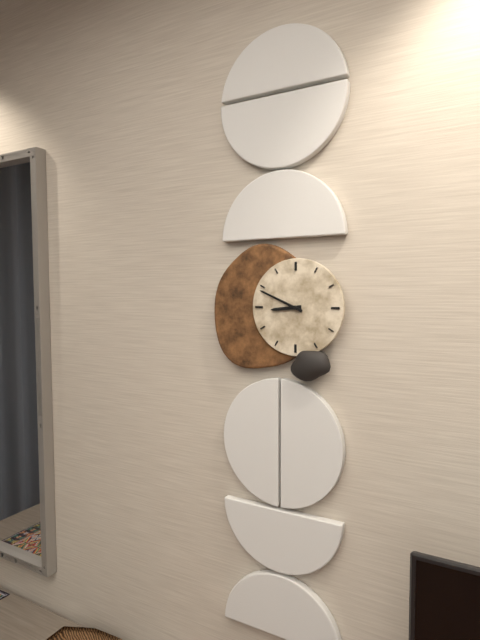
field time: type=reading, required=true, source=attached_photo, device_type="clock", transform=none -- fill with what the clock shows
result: 8:49
